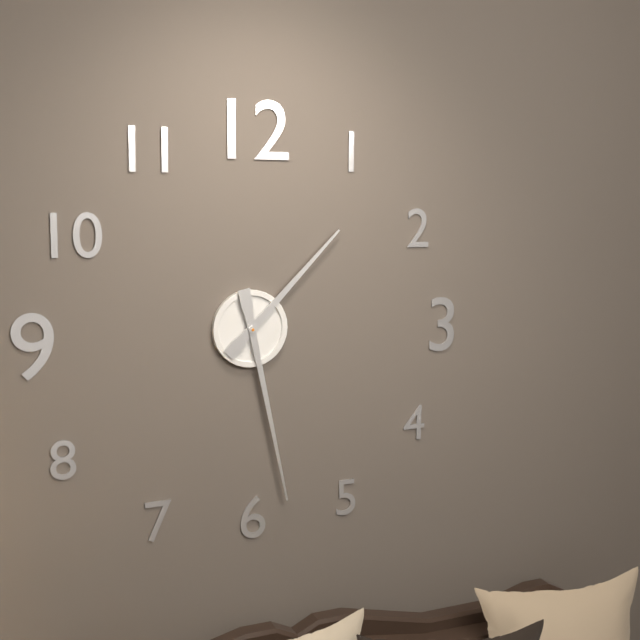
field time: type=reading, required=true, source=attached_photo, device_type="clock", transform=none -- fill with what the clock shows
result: 1:28
